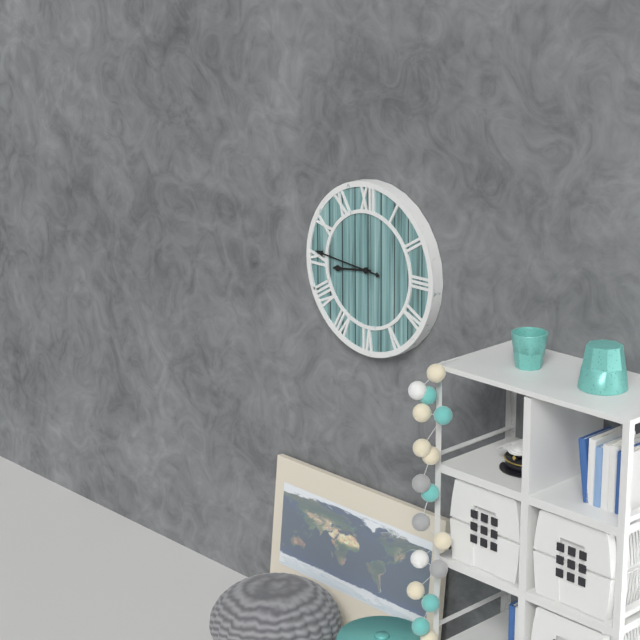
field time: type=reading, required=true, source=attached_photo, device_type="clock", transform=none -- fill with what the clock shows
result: 8:46
